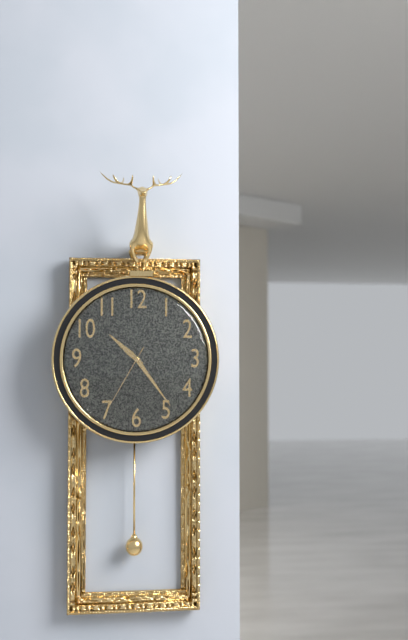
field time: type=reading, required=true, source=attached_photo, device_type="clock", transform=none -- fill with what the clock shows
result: 10:24:35
